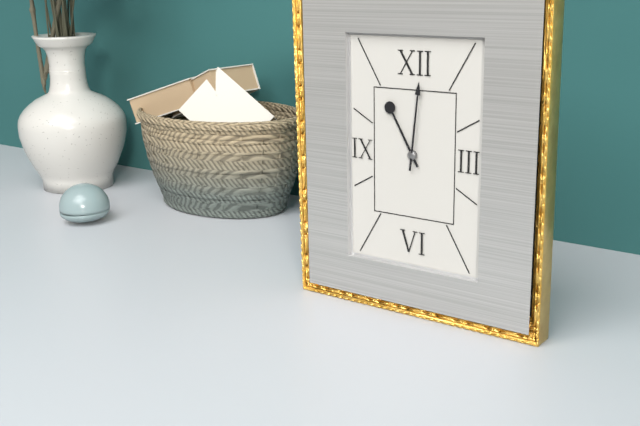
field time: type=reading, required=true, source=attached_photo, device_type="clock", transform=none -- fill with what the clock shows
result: 11:01
